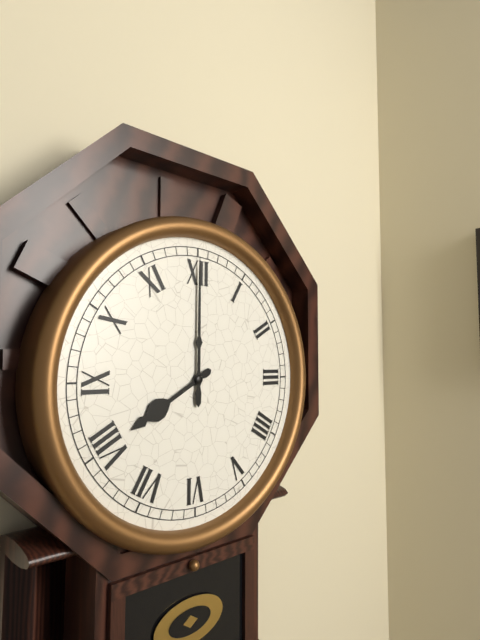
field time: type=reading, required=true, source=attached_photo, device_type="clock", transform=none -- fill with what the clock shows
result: 8:00
